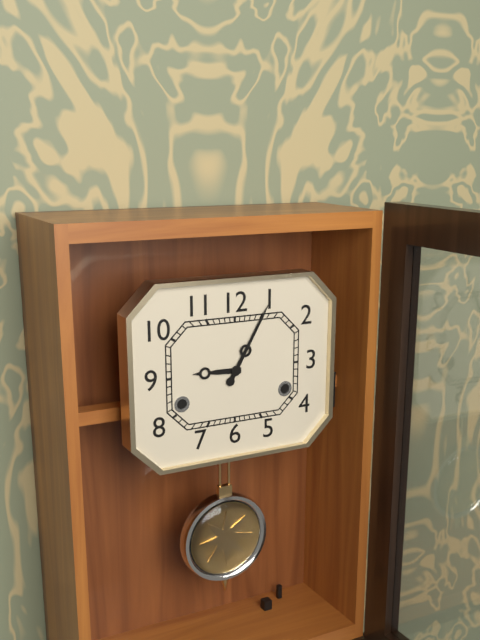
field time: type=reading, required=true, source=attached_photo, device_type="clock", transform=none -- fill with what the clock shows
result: 9:05
